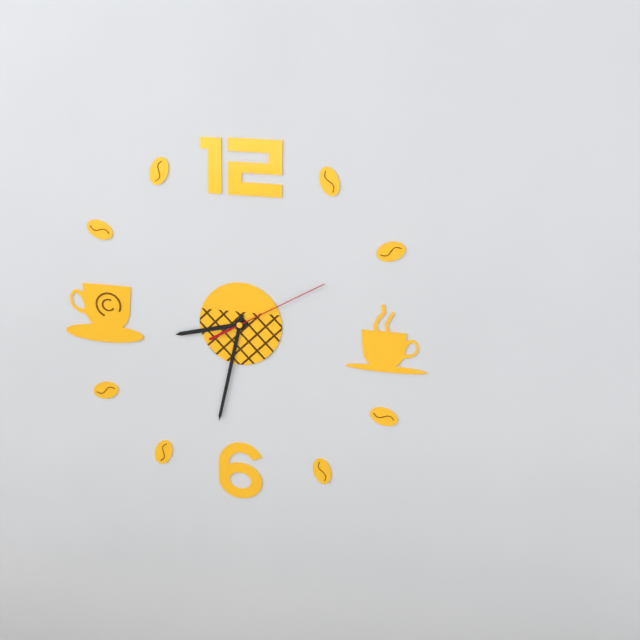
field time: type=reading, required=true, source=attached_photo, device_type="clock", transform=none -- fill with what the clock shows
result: 8:32:10
